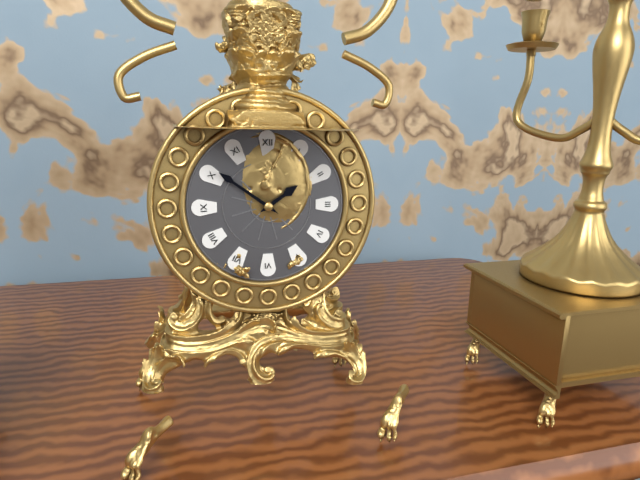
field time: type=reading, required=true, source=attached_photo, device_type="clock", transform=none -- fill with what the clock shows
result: 1:51
